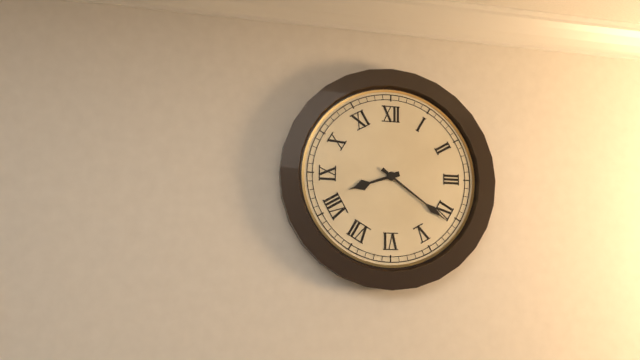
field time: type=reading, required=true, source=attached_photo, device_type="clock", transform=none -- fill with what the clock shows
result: 8:21
